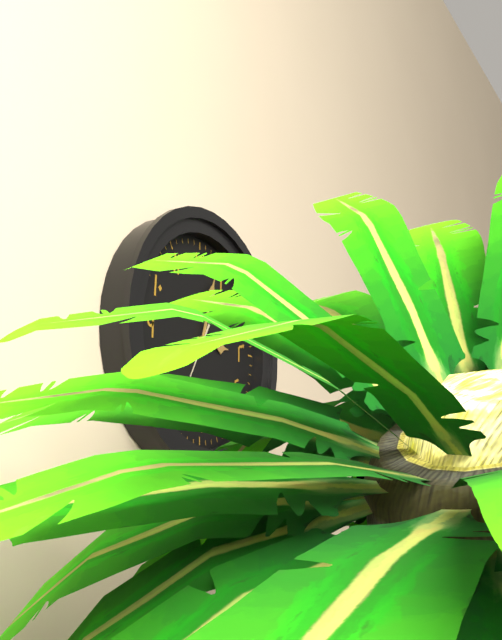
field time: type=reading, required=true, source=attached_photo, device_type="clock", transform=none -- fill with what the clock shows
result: 3:03
